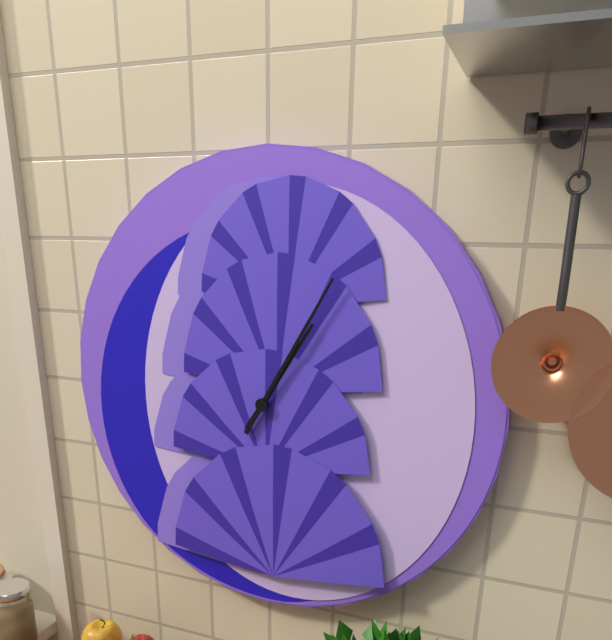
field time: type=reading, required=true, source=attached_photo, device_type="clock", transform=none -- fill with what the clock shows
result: 1:05
